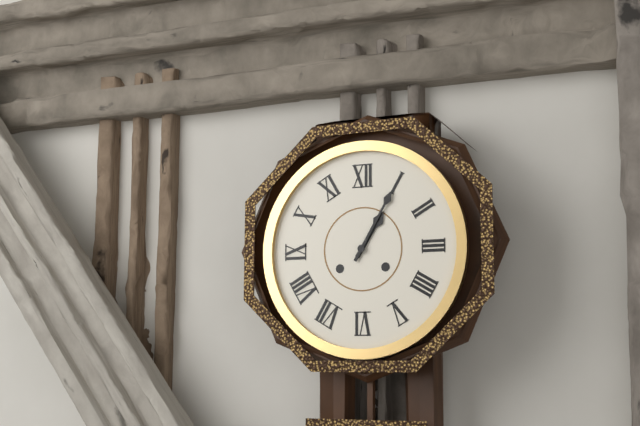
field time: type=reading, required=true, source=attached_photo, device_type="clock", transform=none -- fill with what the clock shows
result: 1:05
